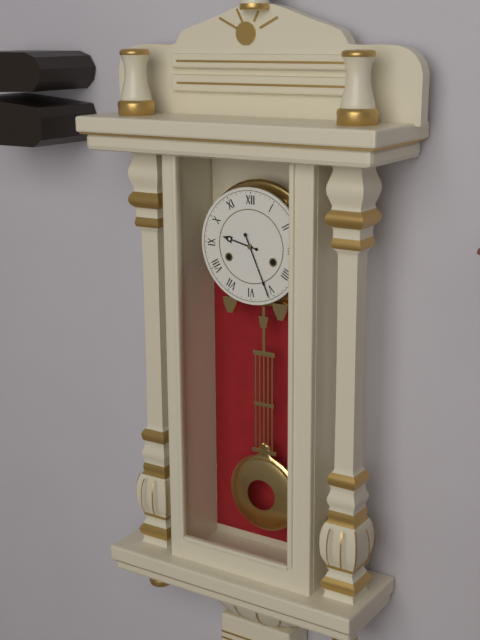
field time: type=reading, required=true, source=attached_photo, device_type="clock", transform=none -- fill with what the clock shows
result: 9:26
